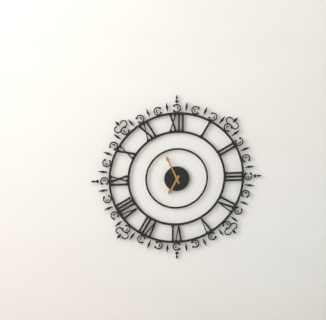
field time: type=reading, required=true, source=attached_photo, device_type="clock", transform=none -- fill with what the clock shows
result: 6:56
